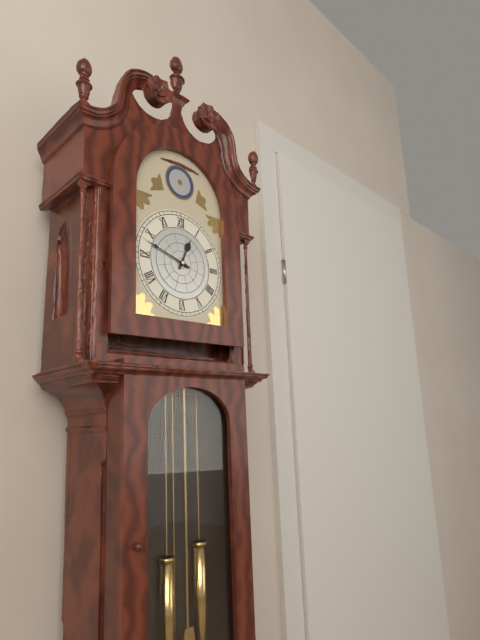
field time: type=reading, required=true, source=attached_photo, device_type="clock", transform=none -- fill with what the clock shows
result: 12:48
